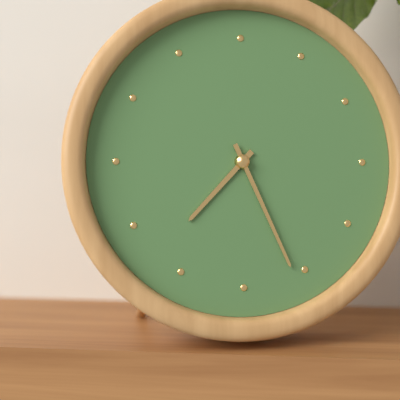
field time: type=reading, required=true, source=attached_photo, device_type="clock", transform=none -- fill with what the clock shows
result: 7:26
